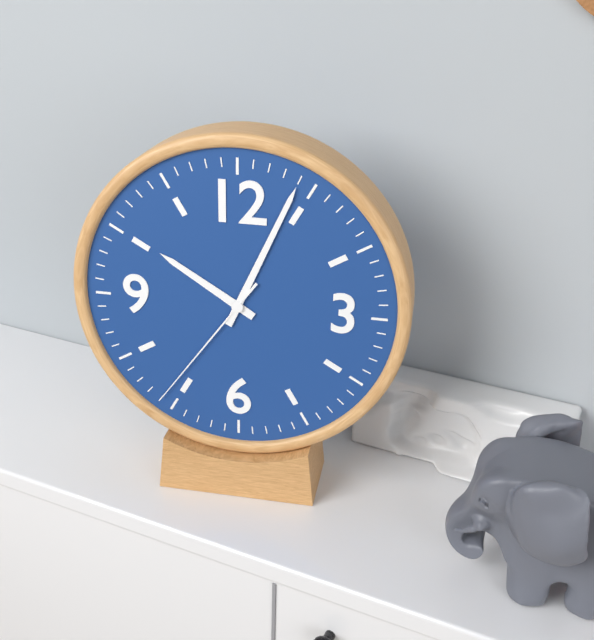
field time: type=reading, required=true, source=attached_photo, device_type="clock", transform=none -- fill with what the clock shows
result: 10:04:36
